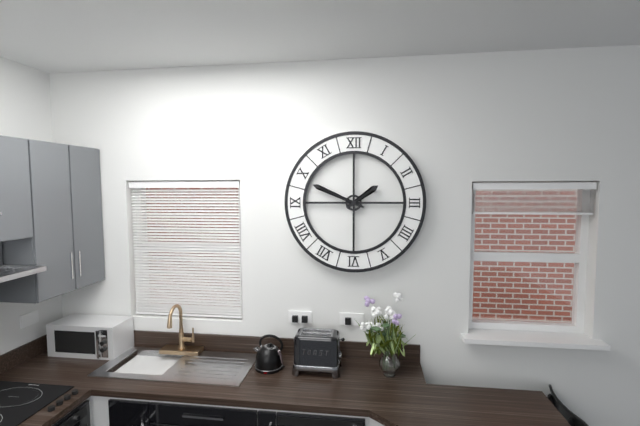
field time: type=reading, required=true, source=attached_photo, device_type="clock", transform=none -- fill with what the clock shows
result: 1:49
